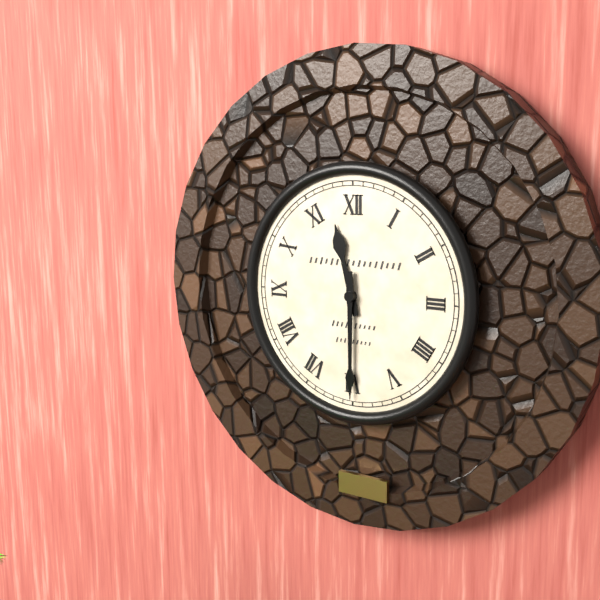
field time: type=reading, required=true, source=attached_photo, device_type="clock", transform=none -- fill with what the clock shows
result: 11:30
